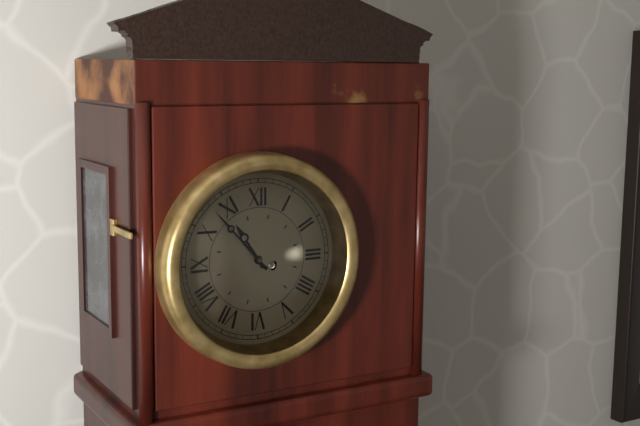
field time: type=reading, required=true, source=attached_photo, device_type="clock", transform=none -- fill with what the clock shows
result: 10:53
